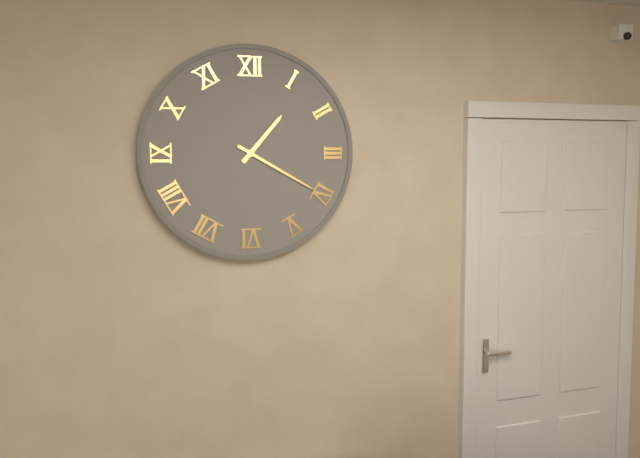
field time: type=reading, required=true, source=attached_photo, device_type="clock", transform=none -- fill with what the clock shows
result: 1:20
